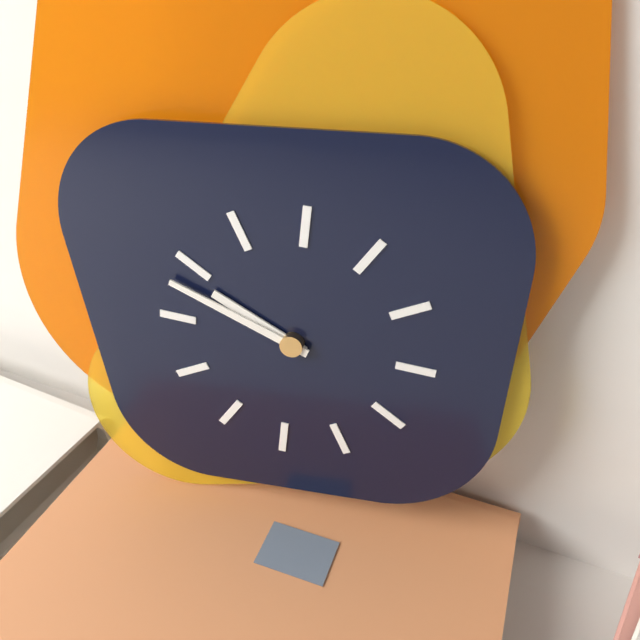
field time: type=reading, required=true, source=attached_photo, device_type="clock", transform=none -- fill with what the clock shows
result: 9:48
